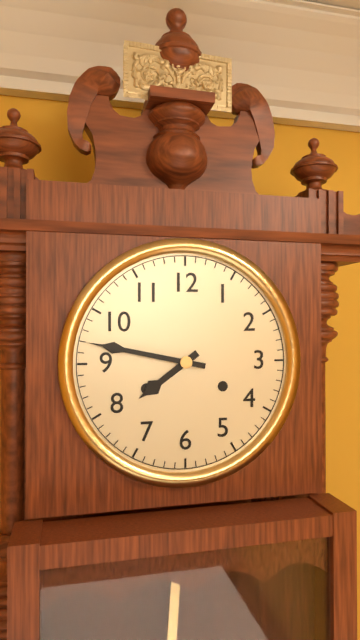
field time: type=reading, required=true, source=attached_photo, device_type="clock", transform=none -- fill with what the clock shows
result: 7:47
